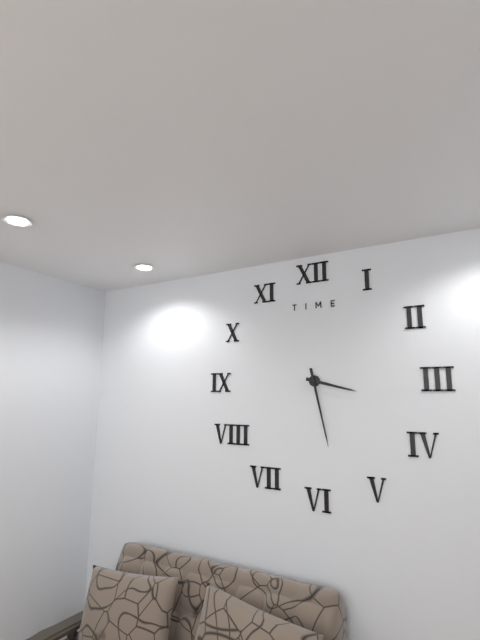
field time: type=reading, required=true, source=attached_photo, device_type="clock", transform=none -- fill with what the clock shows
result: 3:28
